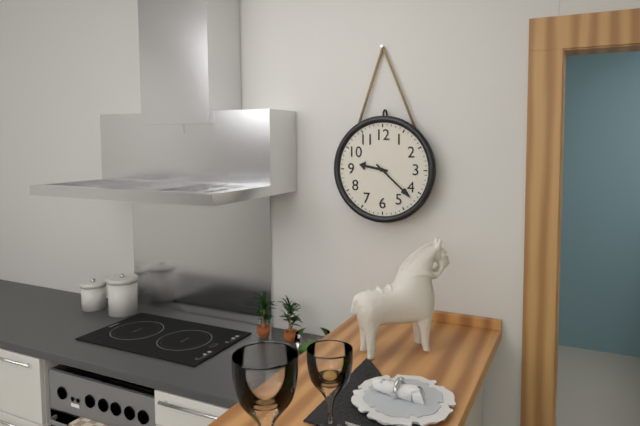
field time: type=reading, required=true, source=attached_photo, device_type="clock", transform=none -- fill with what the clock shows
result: 9:22
